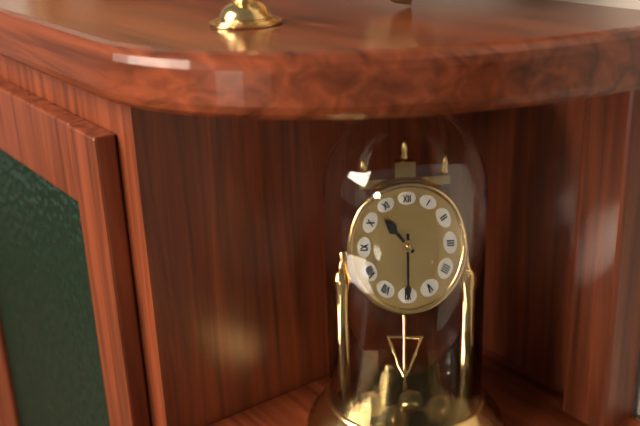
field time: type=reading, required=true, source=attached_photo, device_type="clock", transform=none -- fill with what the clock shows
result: 10:30
